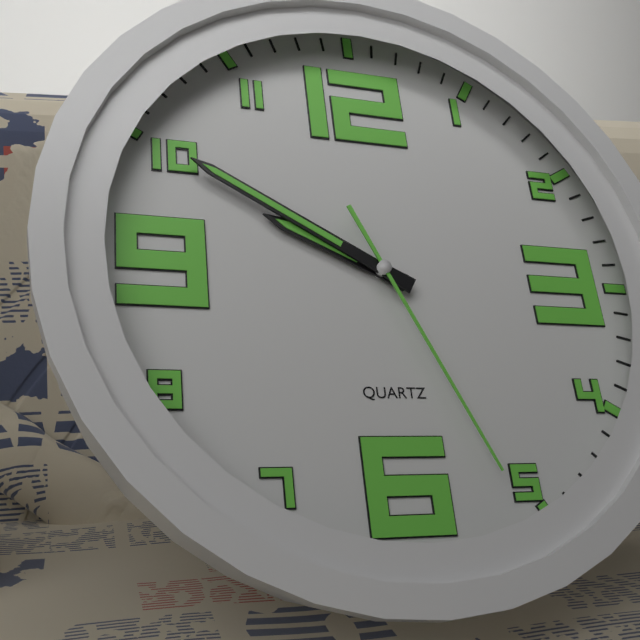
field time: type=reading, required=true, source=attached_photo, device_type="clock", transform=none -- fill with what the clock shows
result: 9:50:26
